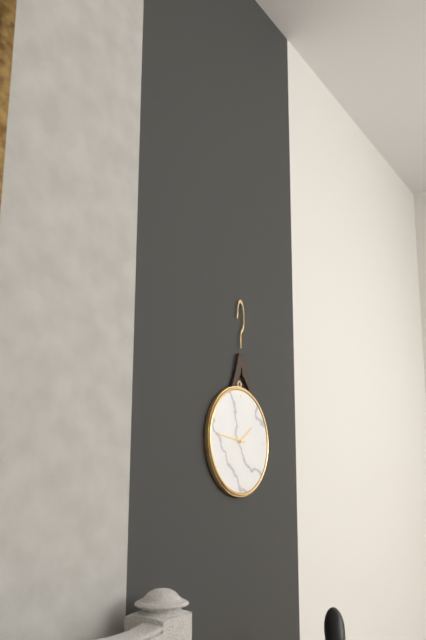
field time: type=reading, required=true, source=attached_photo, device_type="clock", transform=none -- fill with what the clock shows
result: 1:46
